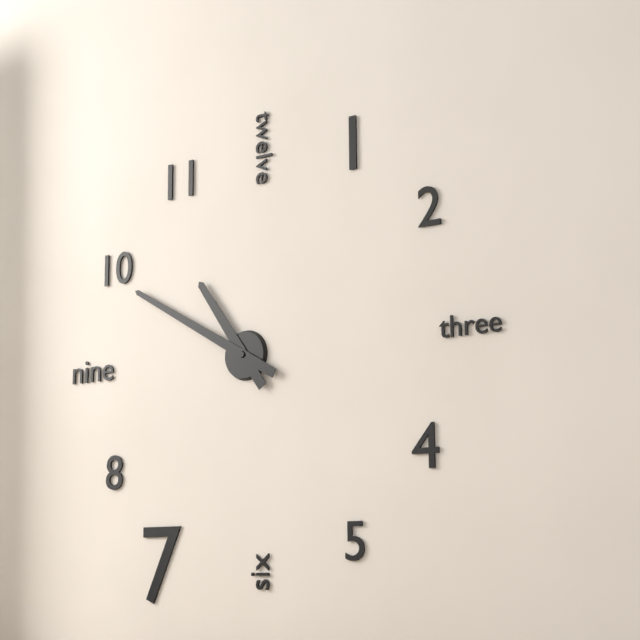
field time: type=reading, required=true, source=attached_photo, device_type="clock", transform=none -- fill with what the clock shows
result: 10:50
